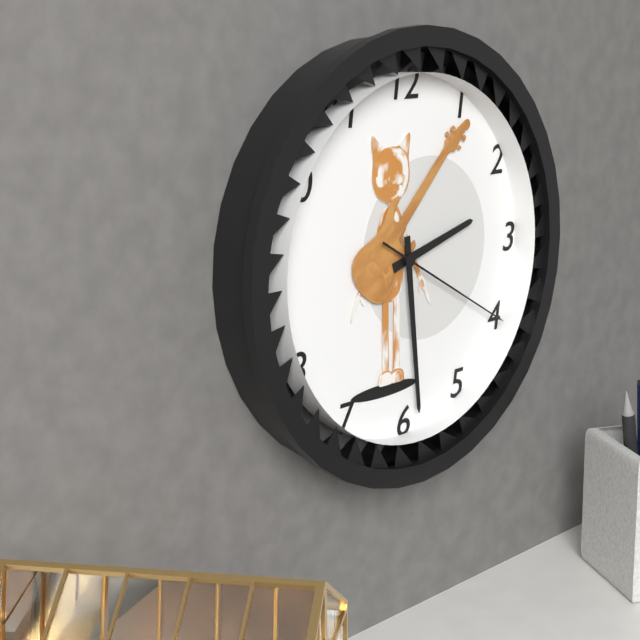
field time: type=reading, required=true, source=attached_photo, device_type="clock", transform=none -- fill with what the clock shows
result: 2:29:20
